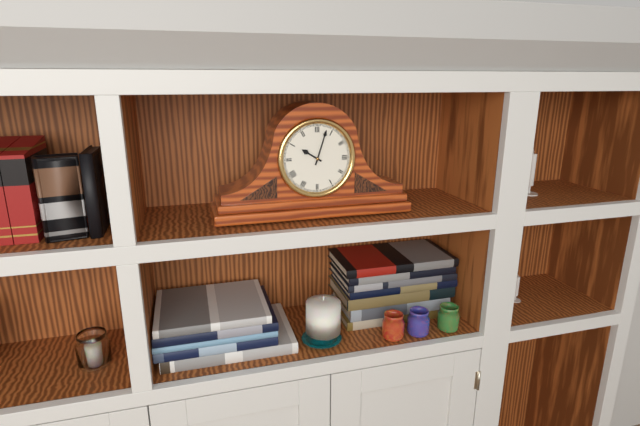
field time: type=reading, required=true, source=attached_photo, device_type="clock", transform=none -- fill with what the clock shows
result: 10:03
